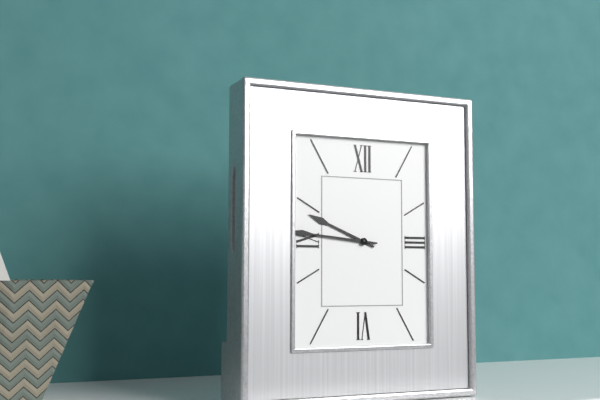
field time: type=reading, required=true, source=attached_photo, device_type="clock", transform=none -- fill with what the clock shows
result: 9:46
